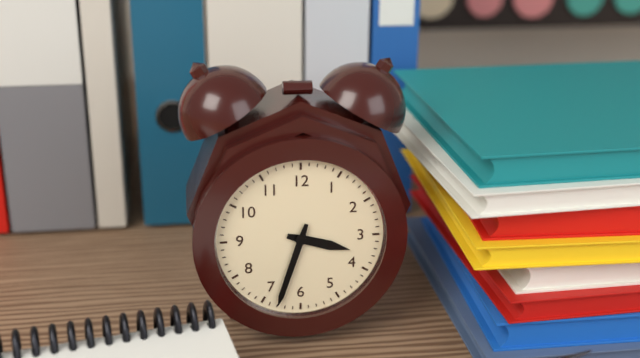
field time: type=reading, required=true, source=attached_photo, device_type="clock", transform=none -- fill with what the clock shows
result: 3:33
